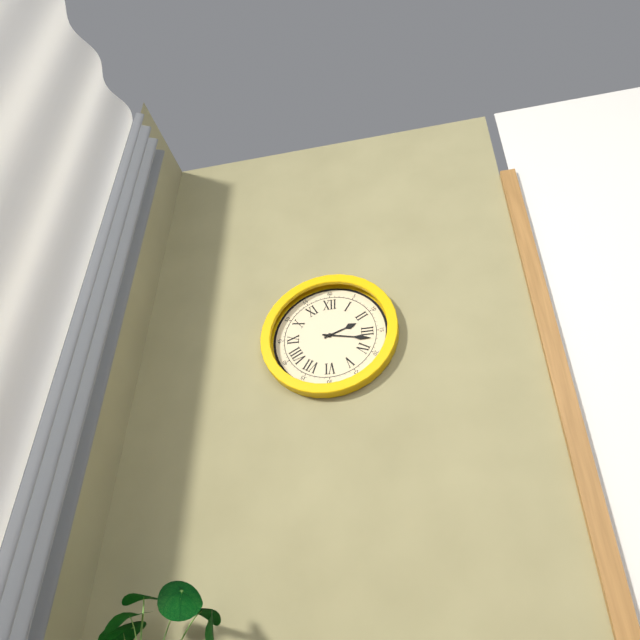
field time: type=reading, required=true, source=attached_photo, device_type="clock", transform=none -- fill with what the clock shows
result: 2:17
